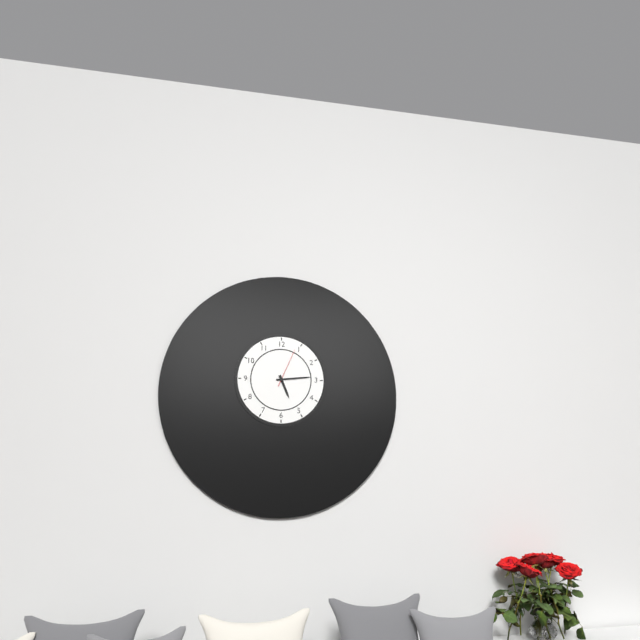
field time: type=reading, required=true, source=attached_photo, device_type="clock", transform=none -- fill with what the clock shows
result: 5:14
